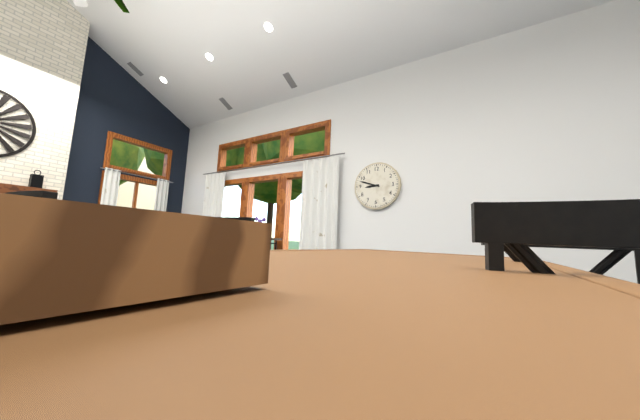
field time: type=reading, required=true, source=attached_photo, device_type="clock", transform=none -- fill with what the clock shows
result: 8:48
